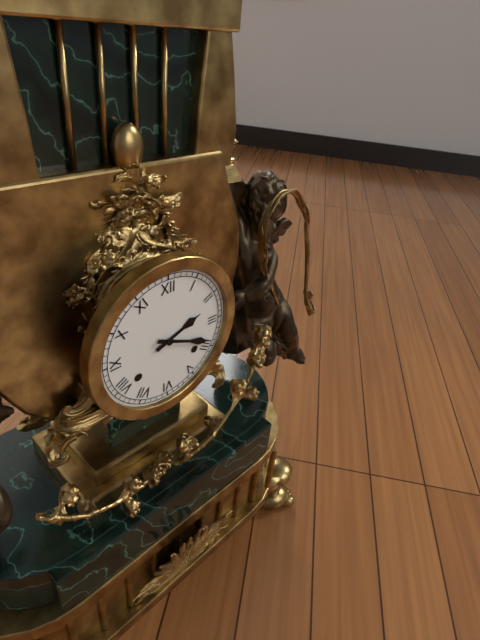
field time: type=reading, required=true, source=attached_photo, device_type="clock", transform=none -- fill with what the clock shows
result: 2:19
